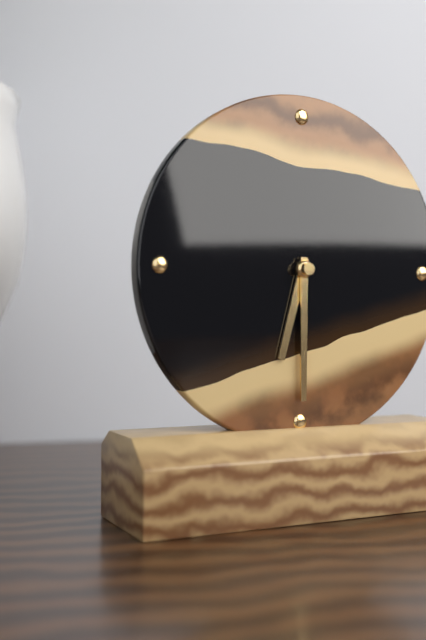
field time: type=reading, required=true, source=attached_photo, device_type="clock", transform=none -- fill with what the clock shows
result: 6:30
